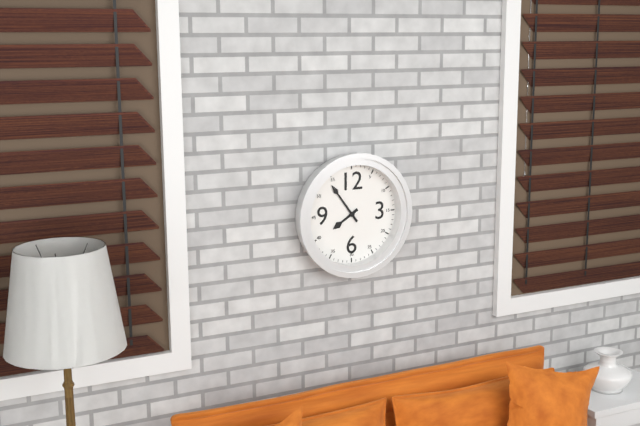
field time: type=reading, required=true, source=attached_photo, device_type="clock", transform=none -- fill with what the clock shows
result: 7:54
